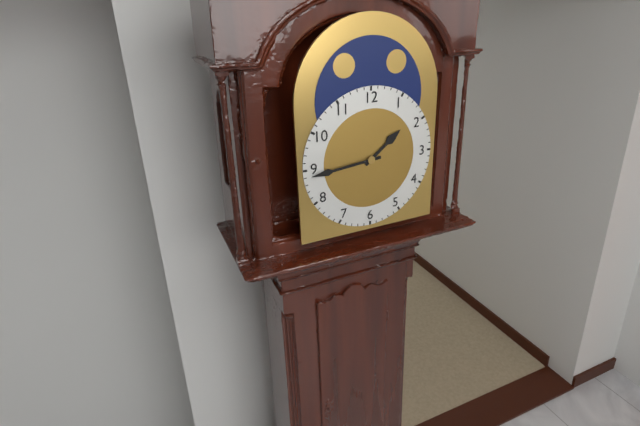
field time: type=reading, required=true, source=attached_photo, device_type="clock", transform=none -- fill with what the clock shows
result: 1:44
